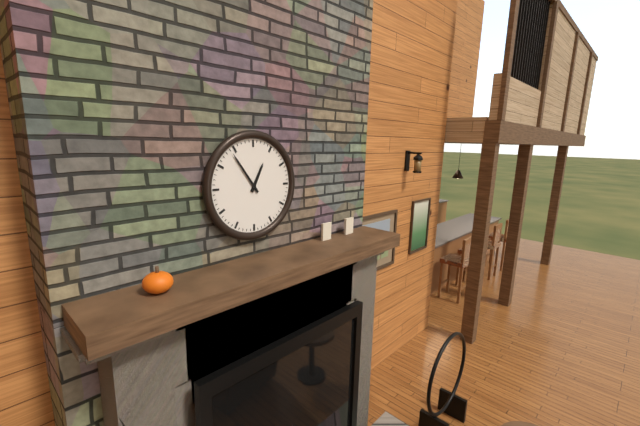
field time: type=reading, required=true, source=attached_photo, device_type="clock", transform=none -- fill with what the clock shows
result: 12:54
